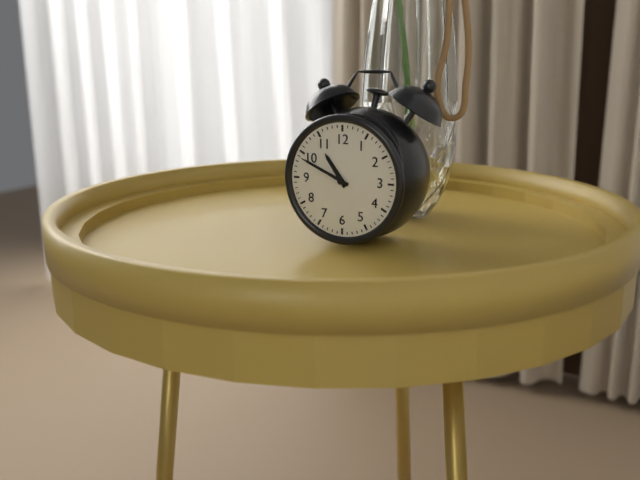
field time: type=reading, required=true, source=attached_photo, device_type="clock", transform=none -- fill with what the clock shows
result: 10:49
